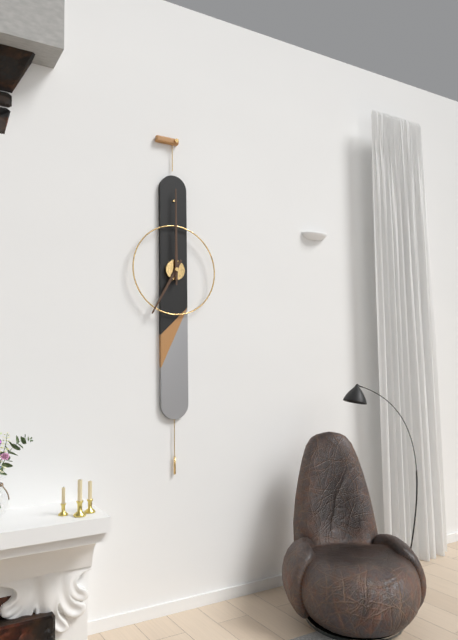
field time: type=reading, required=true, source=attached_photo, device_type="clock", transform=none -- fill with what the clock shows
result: 7:00
